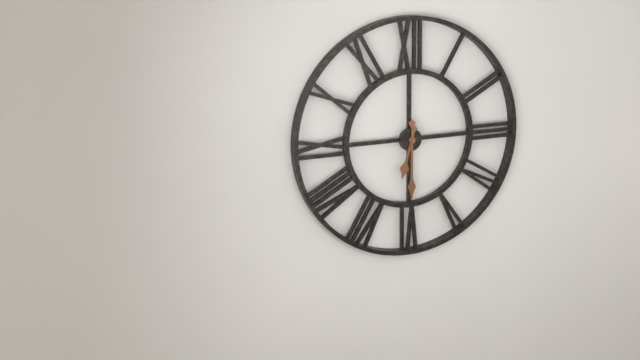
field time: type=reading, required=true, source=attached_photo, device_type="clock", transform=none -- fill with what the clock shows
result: 6:30
